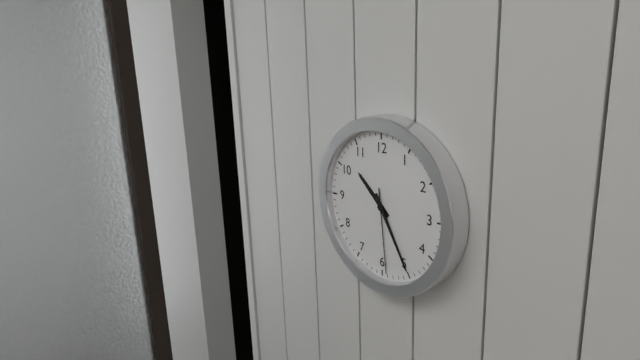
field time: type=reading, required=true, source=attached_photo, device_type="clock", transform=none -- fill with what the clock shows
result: 10:25:29
